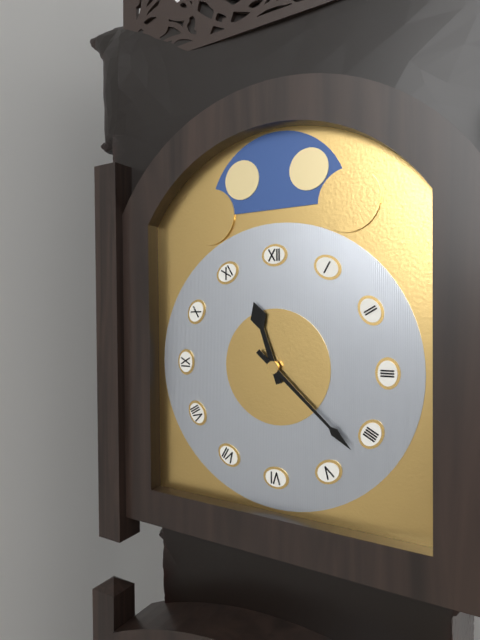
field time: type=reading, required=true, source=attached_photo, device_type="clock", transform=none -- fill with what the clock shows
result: 11:22
